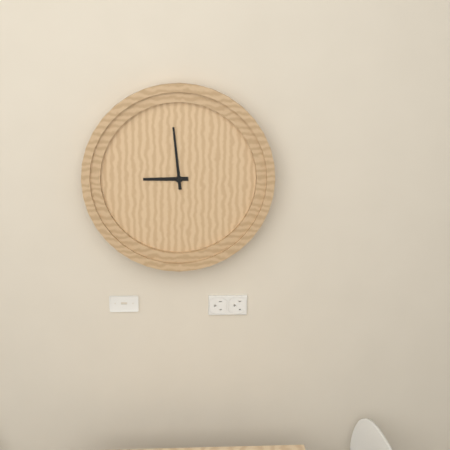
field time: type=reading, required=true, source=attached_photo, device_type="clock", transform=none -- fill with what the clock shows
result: 8:59
